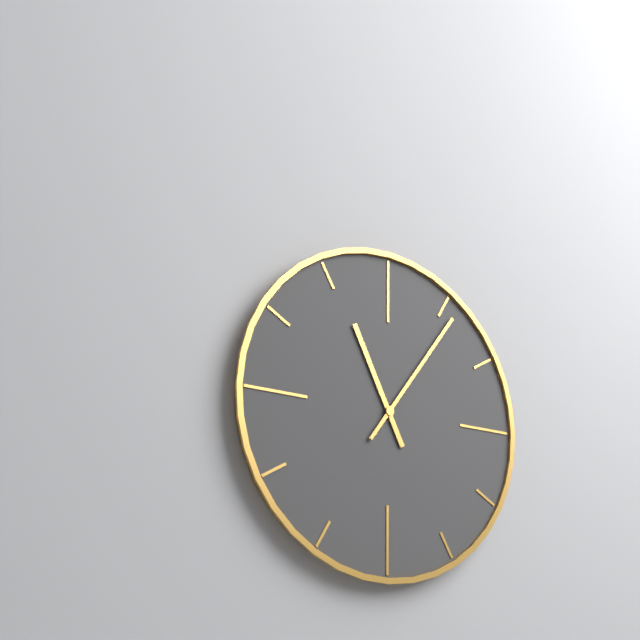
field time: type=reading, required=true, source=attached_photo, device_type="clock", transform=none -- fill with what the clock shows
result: 11:06
